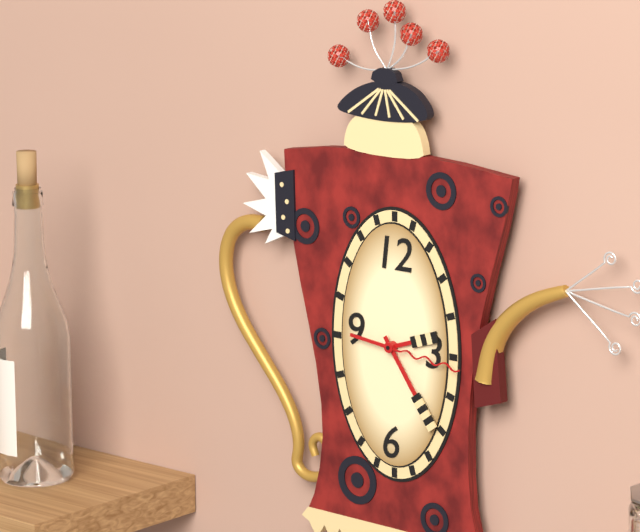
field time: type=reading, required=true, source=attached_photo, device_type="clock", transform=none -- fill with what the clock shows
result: 2:24:16
